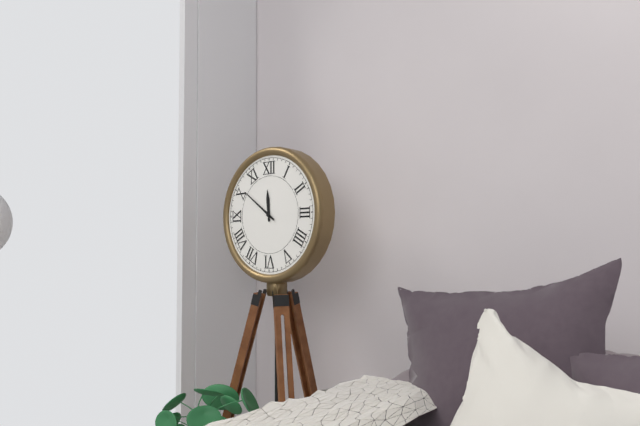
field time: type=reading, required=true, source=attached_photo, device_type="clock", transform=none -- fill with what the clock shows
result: 11:51
